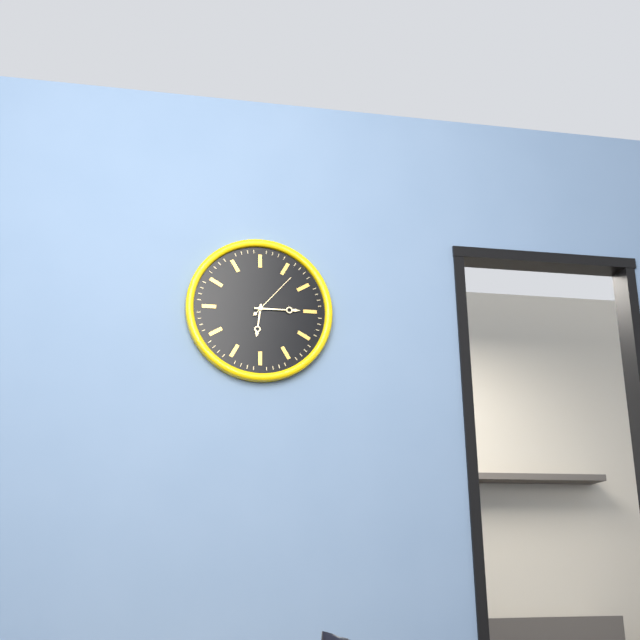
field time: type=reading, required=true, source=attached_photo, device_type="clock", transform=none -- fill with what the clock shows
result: 6:15:07
